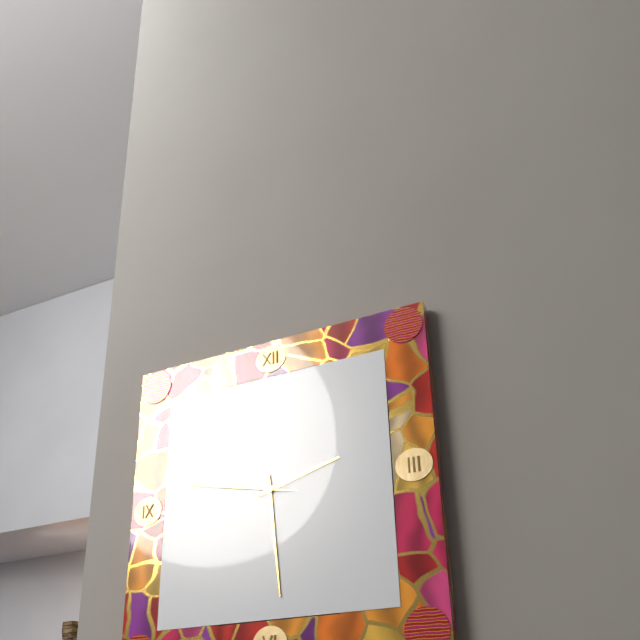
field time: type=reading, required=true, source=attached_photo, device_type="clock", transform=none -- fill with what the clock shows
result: 2:29:47
